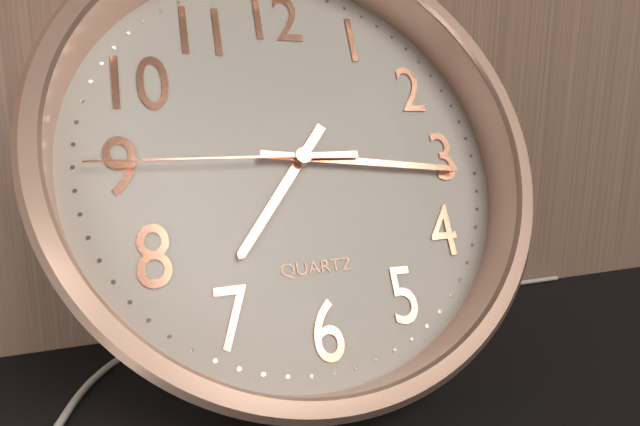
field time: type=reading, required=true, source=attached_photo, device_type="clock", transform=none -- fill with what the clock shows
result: 7:16:45
